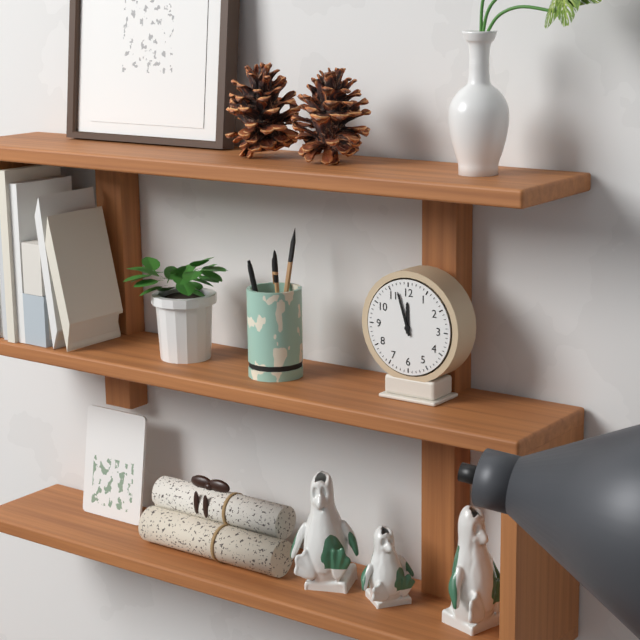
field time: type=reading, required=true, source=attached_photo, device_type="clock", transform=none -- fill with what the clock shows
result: 11:57
